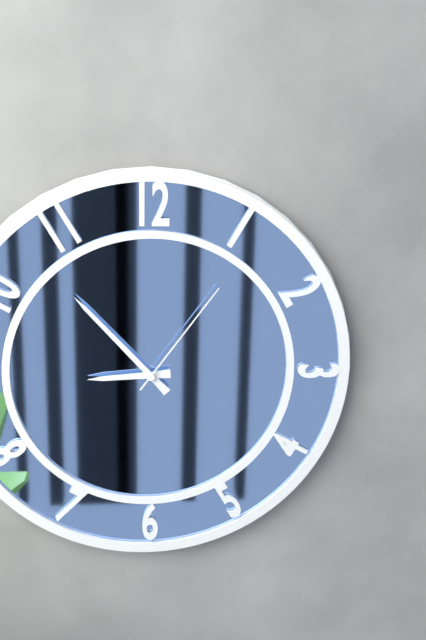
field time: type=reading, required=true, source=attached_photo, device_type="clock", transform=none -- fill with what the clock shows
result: 8:53:06
